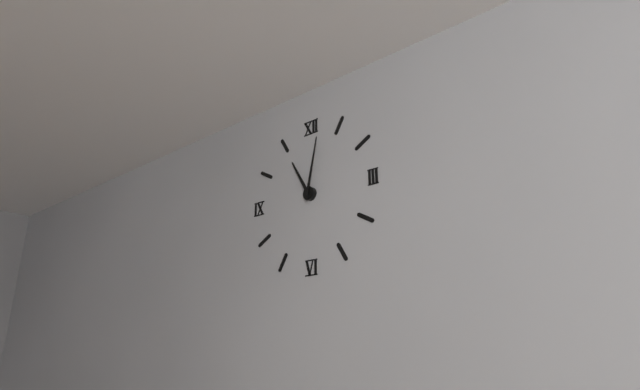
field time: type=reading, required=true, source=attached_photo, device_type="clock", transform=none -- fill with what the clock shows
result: 11:02
